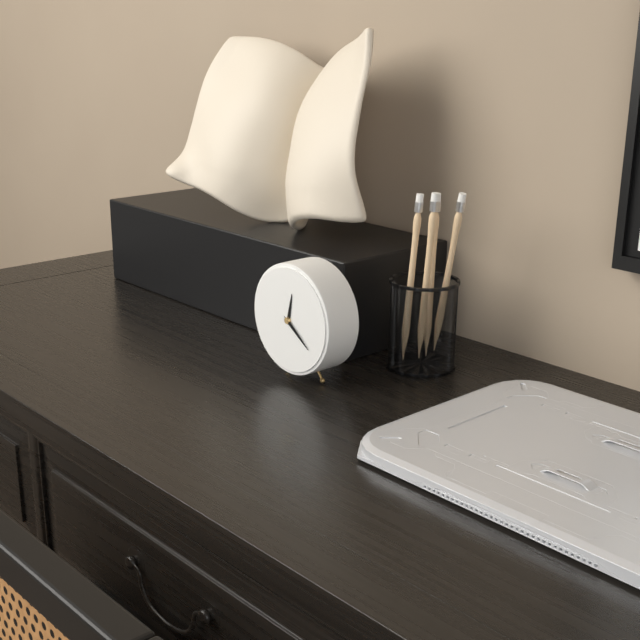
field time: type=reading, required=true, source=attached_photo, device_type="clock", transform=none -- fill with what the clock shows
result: 12:21
